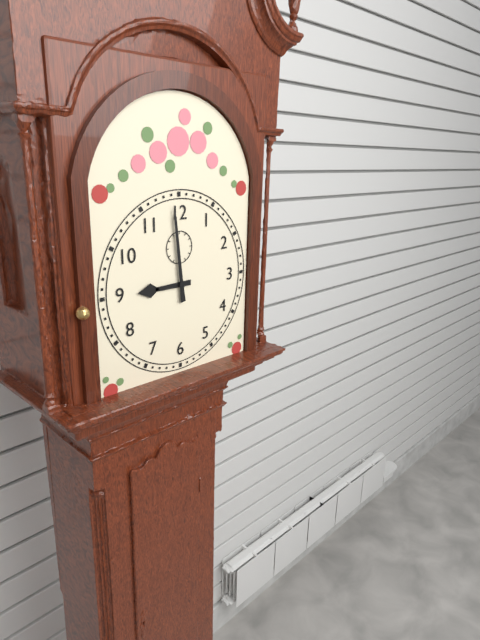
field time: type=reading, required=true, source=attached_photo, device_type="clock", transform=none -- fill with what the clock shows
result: 8:59
